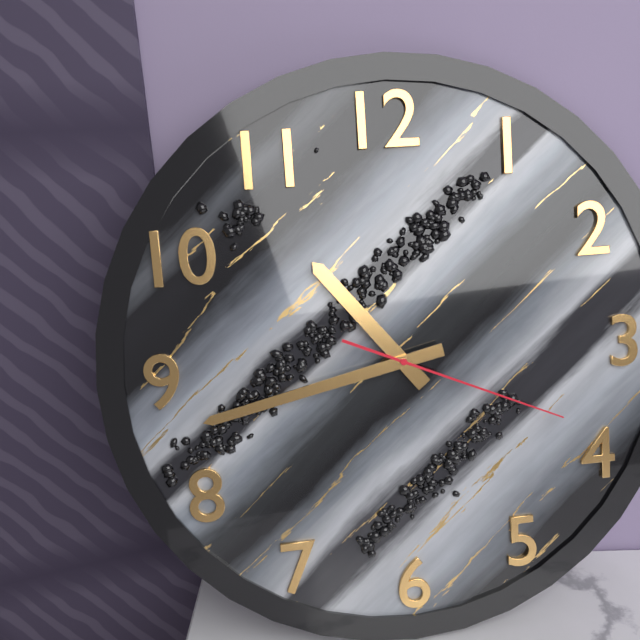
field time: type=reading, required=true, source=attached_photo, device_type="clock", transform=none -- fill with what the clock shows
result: 10:43:19
